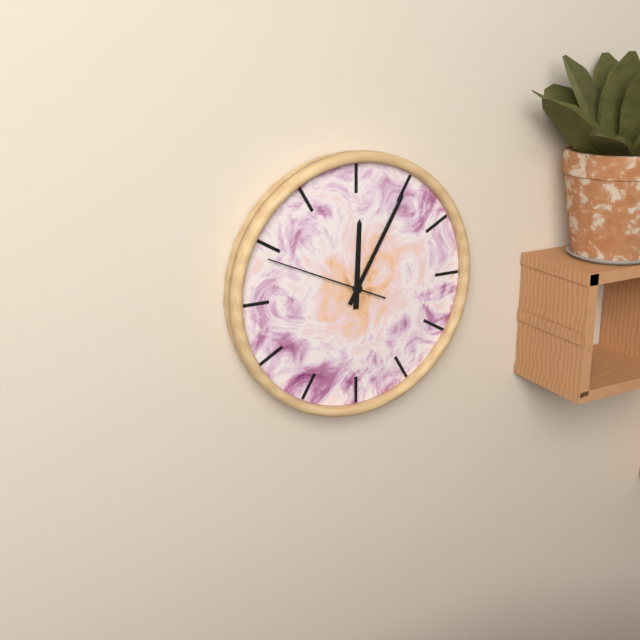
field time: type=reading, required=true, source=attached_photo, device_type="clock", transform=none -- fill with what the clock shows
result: 12:05:49
